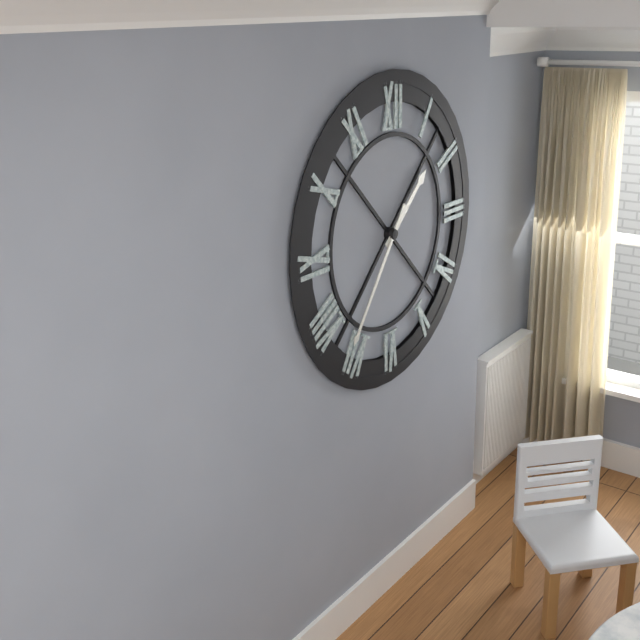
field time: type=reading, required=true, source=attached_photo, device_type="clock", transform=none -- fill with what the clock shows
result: 1:36
